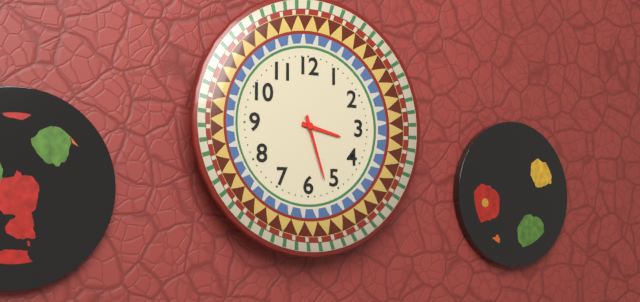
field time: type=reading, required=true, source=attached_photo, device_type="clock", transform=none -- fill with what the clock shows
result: 3:27
